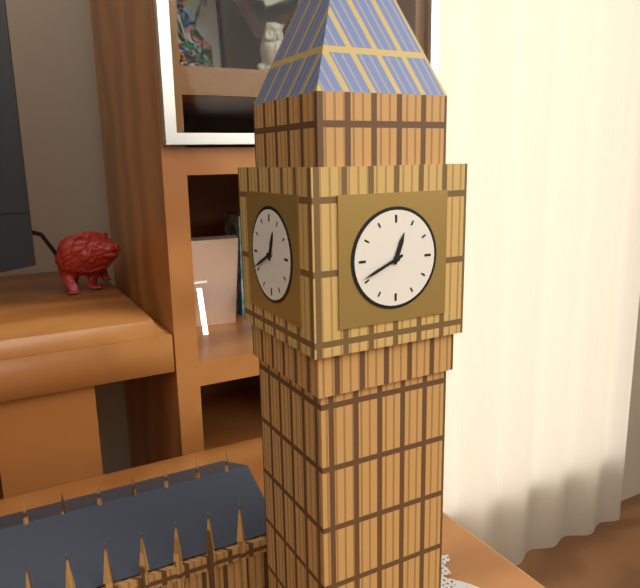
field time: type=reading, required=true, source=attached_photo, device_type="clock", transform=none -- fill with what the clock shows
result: 12:41
